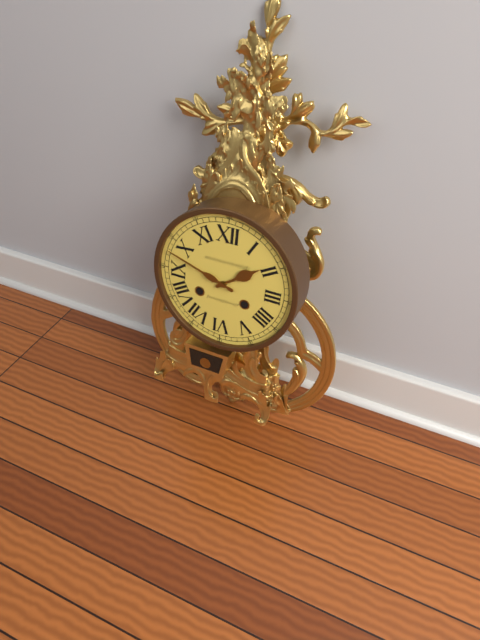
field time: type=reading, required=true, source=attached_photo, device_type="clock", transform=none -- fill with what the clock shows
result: 1:48
